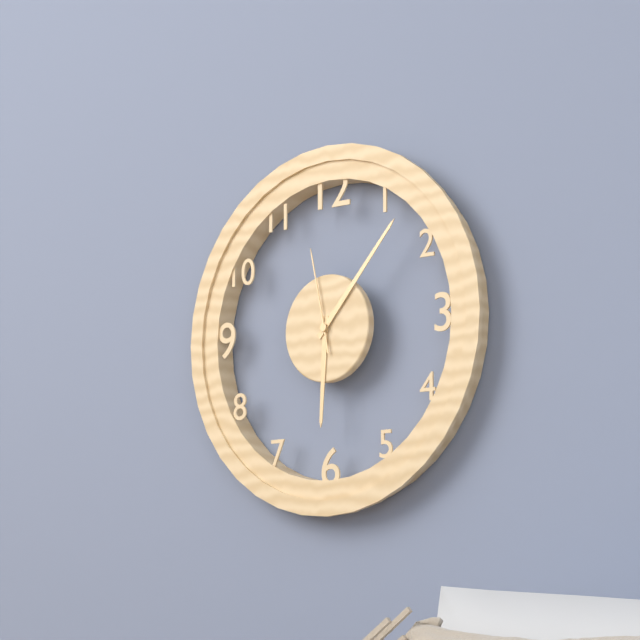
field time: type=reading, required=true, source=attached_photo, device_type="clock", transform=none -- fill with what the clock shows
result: 6:07:58
